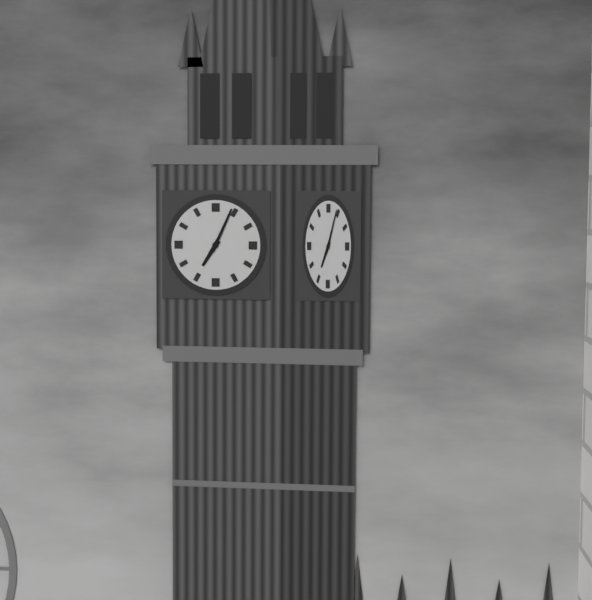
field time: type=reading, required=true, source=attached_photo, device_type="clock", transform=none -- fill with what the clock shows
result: 7:04
